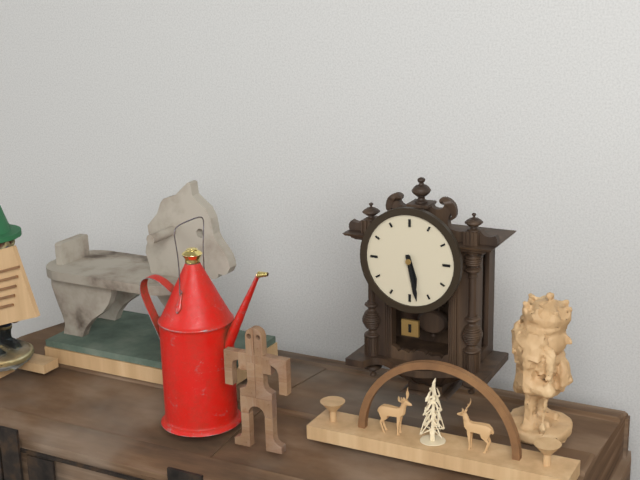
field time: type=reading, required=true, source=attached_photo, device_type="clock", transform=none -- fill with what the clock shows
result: 5:28
